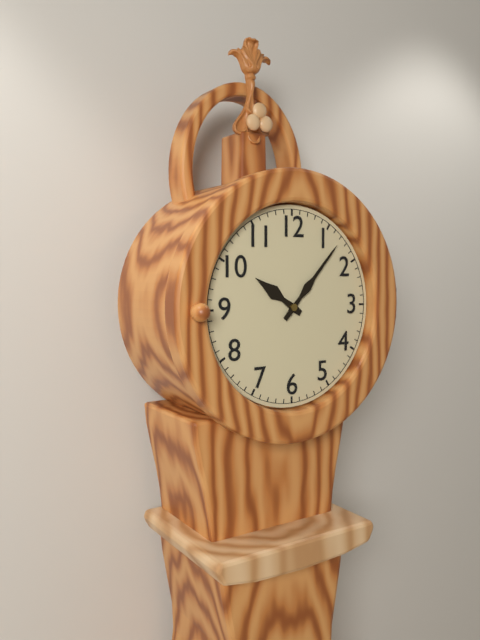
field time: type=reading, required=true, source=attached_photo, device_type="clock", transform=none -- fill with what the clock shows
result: 10:07
